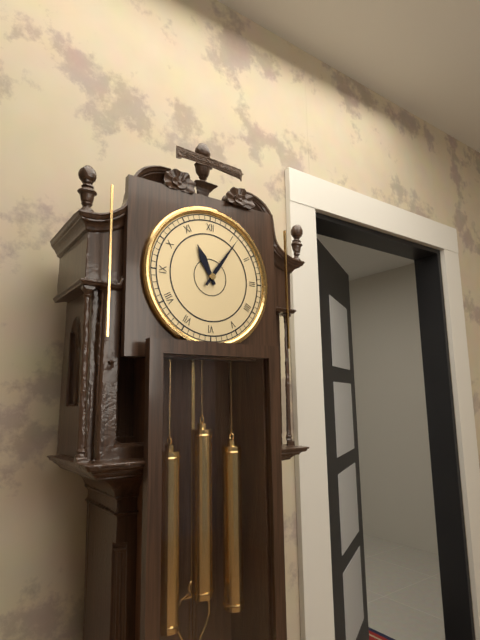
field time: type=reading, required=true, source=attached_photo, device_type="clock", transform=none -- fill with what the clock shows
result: 11:06
